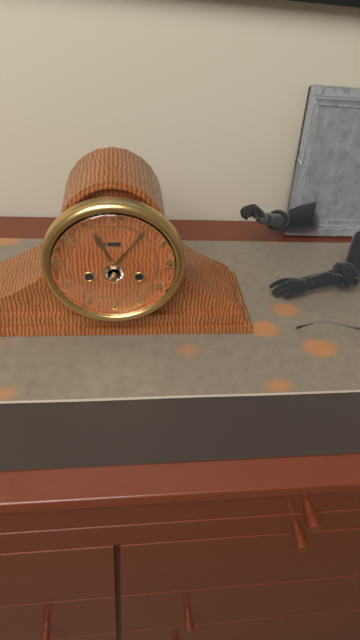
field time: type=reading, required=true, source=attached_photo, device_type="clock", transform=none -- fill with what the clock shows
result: 11:06
